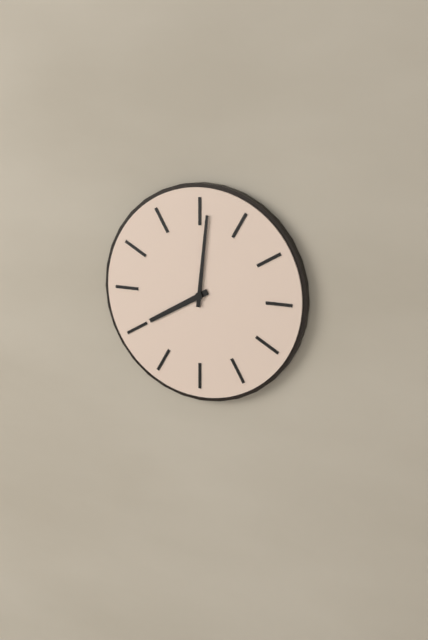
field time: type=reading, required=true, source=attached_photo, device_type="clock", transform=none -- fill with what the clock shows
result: 8:01
